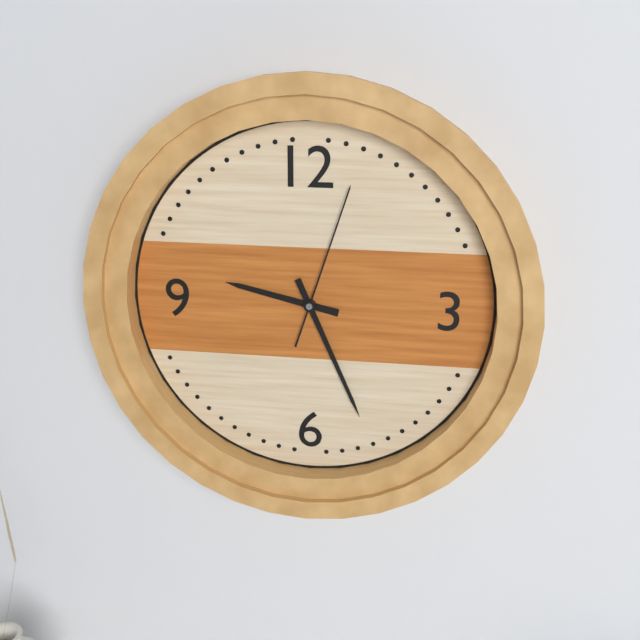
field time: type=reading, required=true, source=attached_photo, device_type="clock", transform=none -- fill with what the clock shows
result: 9:26:03
